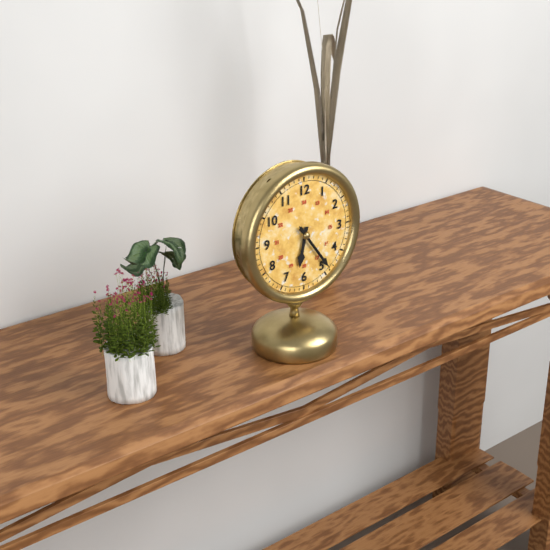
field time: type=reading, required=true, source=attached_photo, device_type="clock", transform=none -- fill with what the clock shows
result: 6:24
